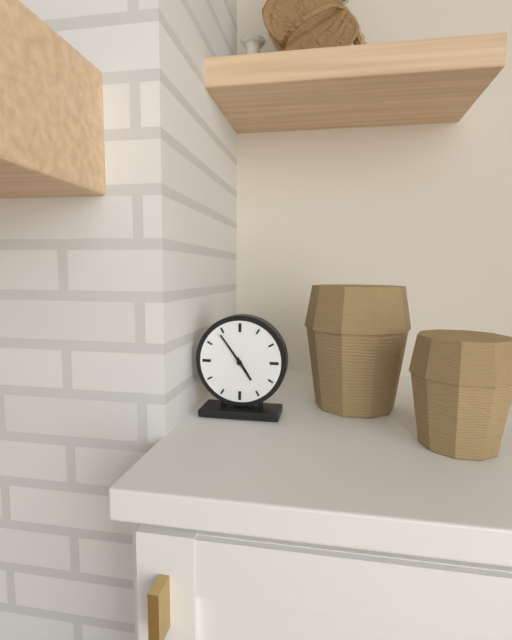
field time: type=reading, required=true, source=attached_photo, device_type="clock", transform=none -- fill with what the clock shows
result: 4:54
